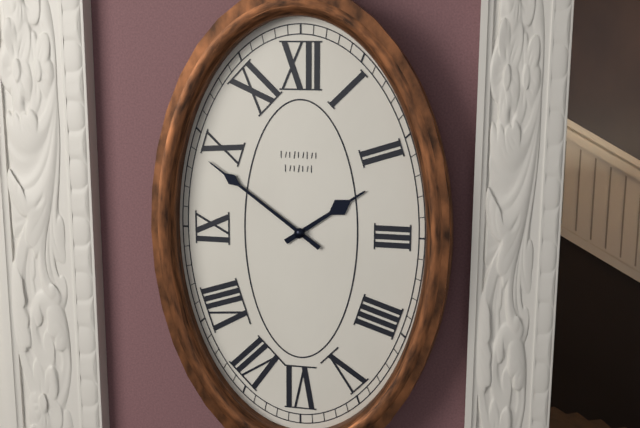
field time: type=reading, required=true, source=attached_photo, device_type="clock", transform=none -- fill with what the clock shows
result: 1:51
